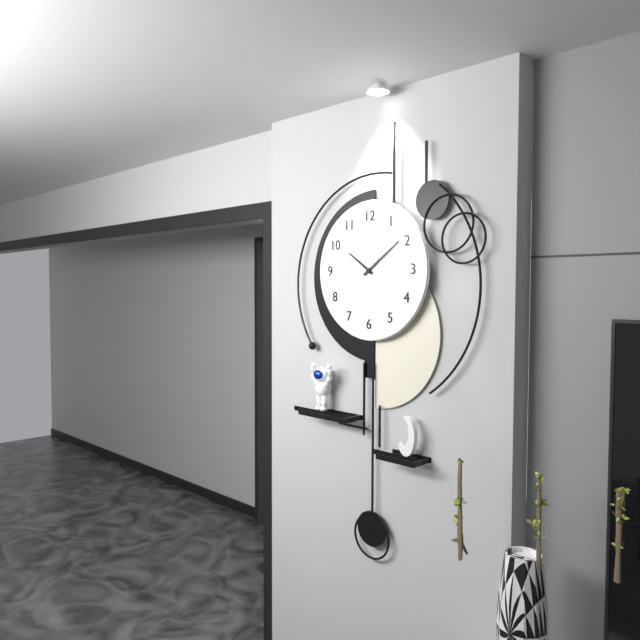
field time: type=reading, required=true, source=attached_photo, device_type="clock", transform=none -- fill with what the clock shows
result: 10:09
